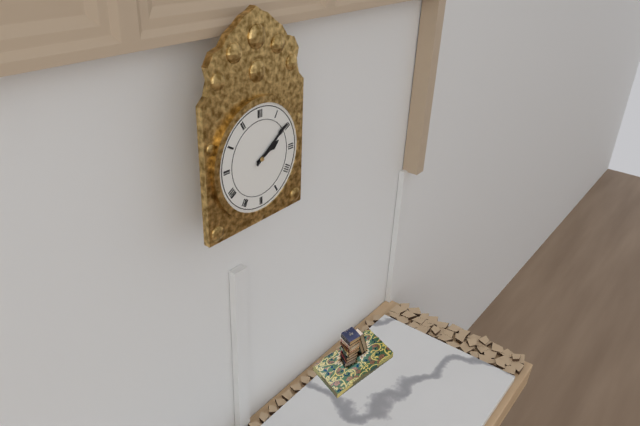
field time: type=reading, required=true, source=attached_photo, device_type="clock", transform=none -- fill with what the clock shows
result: 2:09
